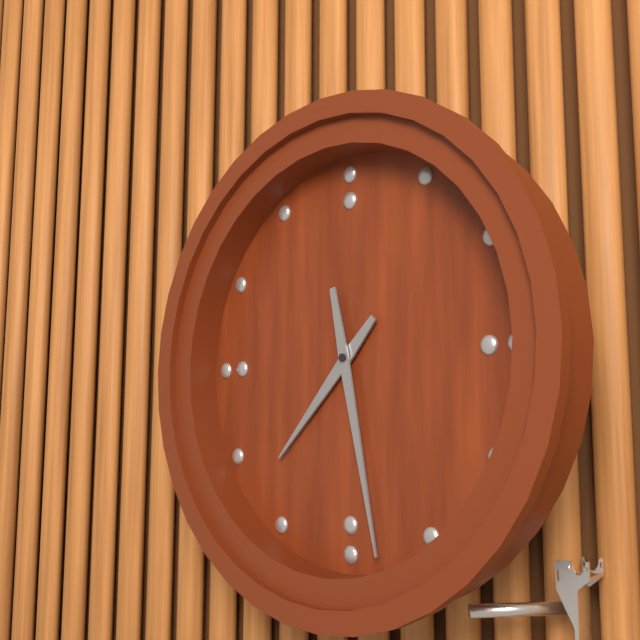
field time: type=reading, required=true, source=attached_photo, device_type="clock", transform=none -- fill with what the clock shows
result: 7:28
